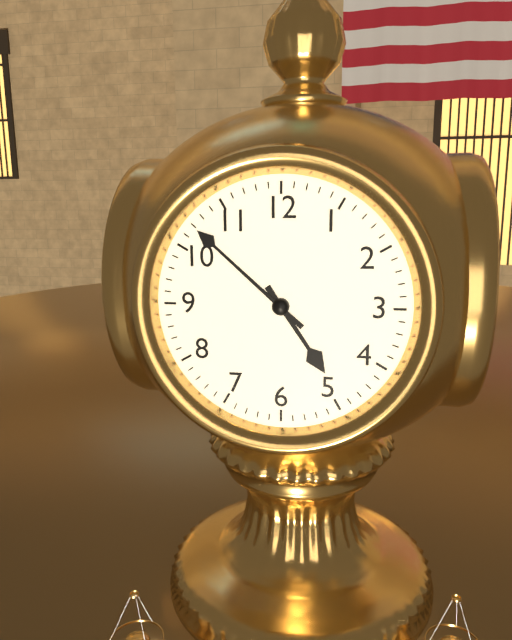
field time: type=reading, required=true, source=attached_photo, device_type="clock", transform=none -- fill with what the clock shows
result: 4:52
